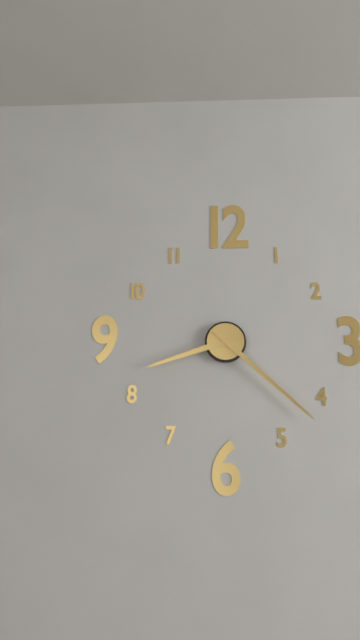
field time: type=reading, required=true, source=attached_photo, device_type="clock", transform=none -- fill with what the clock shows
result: 8:22
